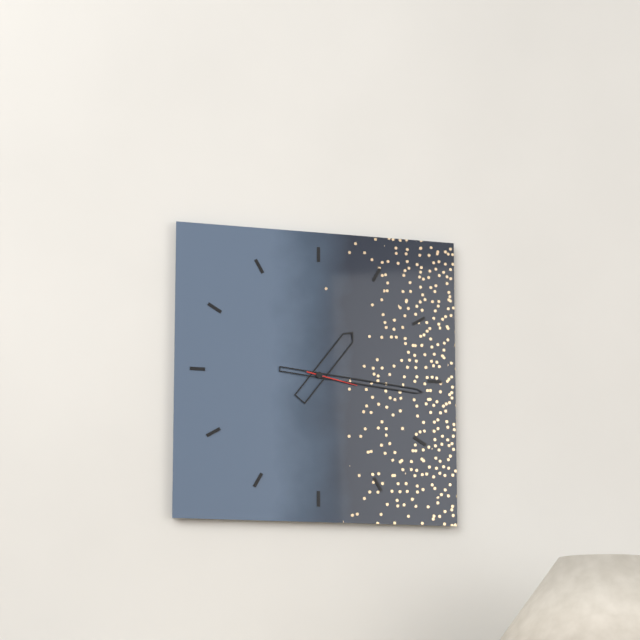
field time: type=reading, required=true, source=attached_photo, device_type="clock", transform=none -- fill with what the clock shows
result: 1:16
